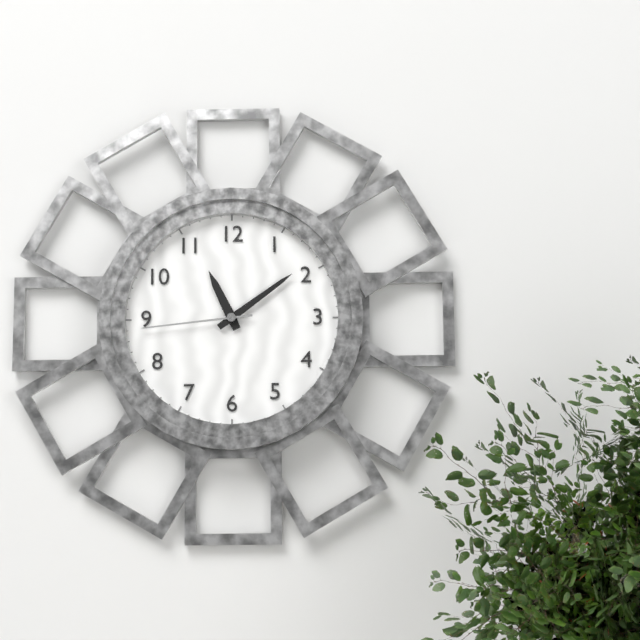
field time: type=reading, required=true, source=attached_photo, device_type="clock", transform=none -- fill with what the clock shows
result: 11:09:44
